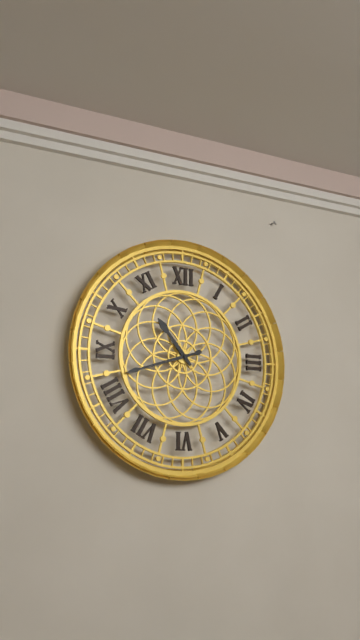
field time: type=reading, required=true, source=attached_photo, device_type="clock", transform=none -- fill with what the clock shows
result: 10:42
